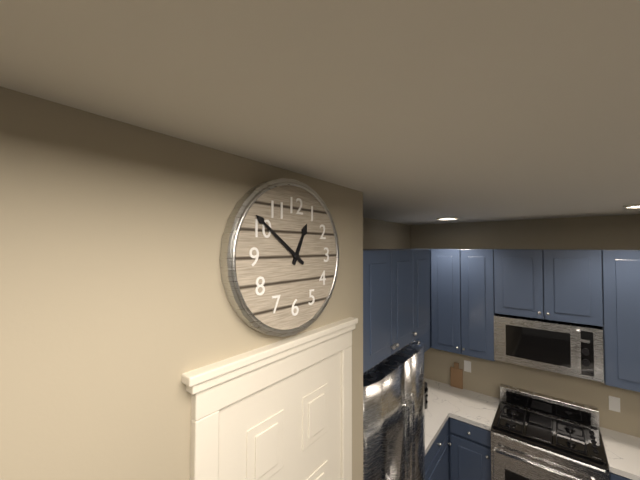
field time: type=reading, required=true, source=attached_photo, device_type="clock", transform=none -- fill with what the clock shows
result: 12:51
